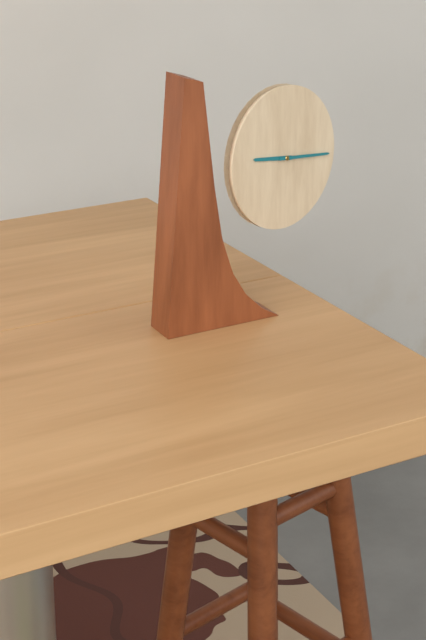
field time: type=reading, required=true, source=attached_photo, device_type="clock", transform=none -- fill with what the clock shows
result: 9:16
